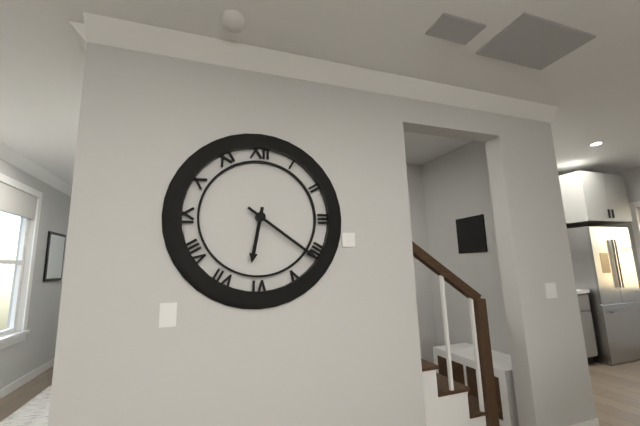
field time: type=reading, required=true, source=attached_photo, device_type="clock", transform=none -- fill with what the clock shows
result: 6:21
